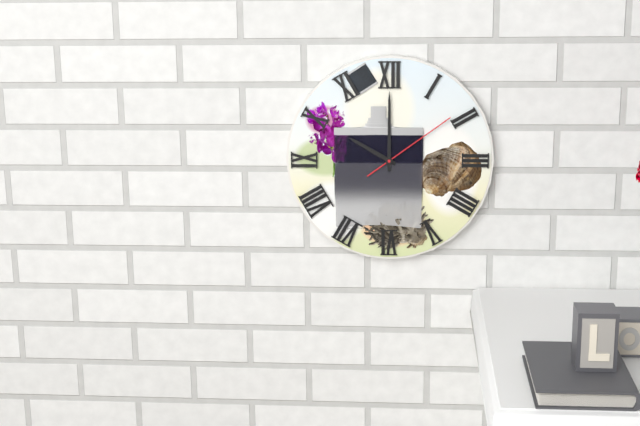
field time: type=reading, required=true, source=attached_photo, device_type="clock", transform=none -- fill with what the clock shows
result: 10:00:09
